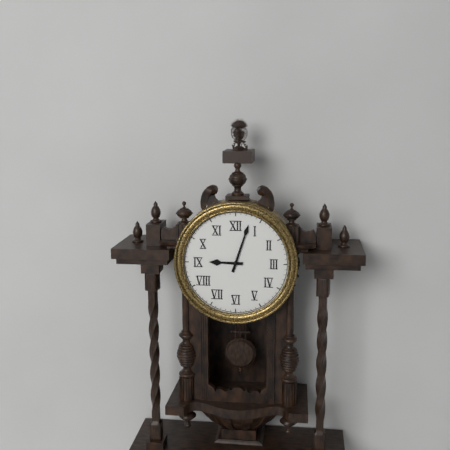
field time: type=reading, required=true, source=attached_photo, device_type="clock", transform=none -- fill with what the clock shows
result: 9:03
